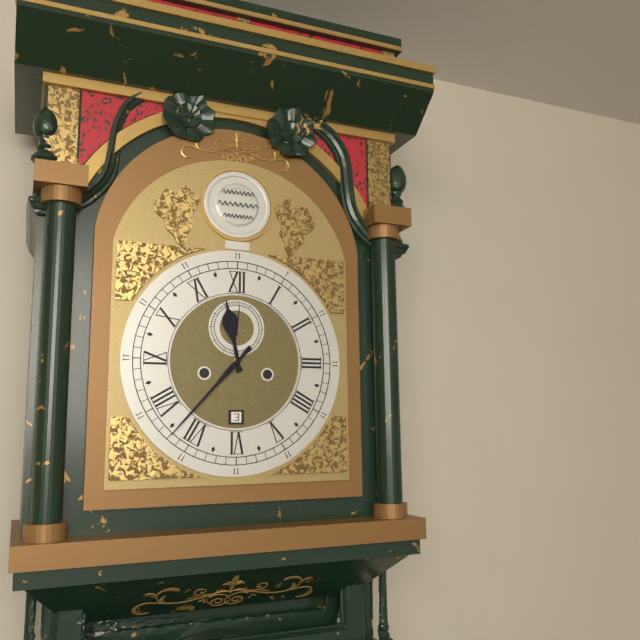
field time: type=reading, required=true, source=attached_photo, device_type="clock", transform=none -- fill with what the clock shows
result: 11:37
